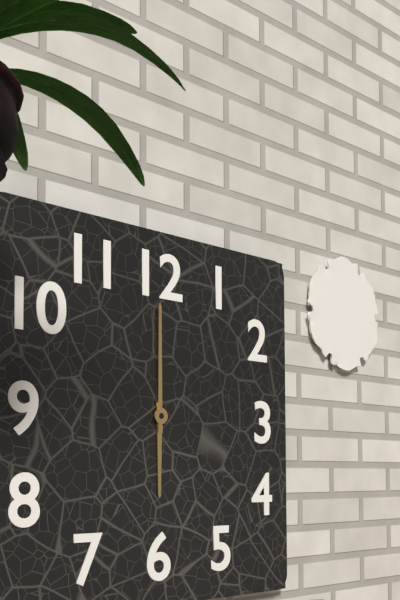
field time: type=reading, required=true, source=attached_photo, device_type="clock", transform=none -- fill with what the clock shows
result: 6:00
